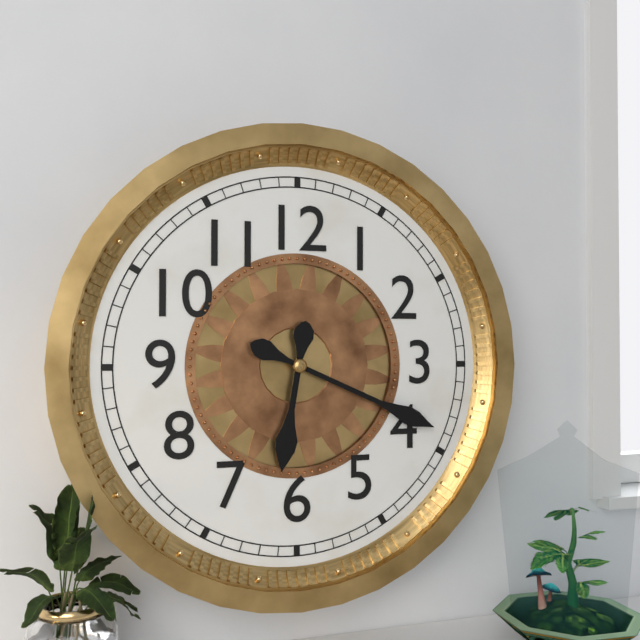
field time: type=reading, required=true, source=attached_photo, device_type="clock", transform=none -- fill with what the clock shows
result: 6:19
